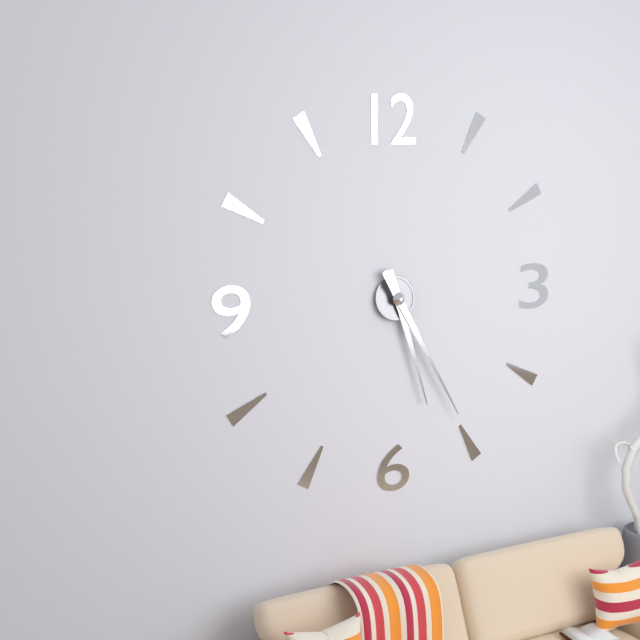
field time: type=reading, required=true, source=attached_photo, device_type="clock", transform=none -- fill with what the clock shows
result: 5:25
